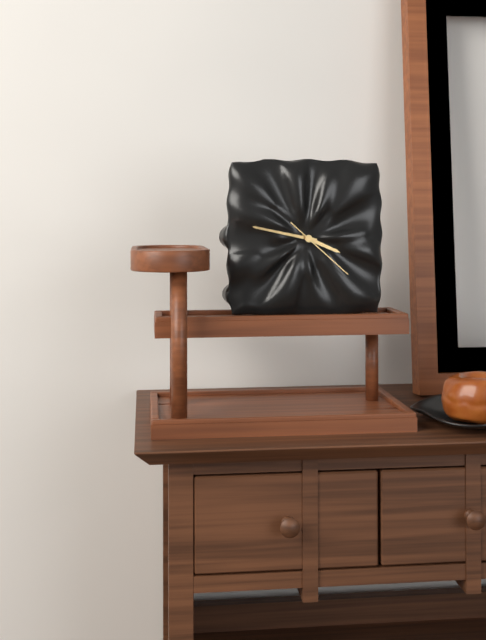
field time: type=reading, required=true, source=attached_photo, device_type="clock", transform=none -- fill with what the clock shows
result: 3:47:22
